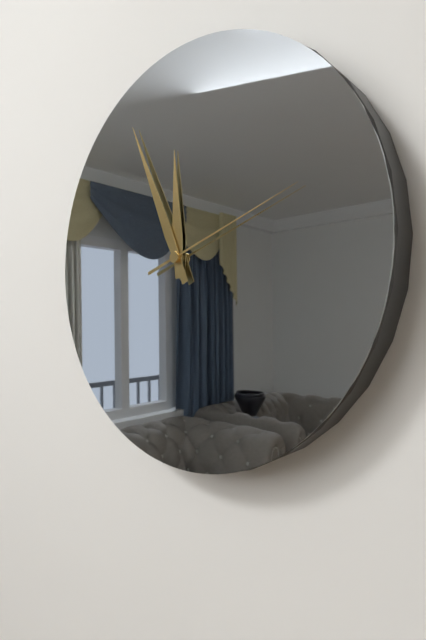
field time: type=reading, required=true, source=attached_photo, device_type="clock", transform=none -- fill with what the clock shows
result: 11:56:12
